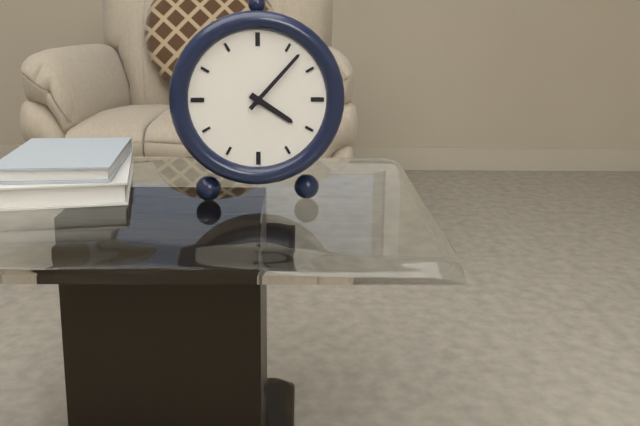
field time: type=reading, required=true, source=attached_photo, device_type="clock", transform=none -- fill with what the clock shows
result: 4:07
